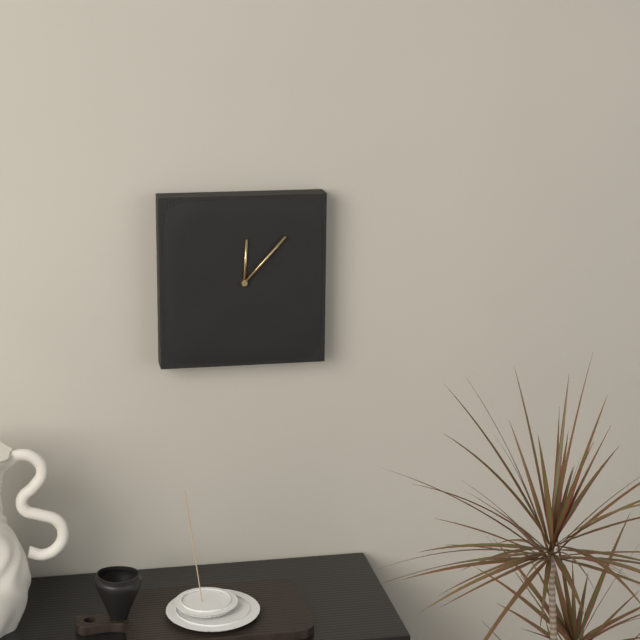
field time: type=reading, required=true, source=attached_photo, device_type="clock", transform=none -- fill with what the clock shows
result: 12:07
